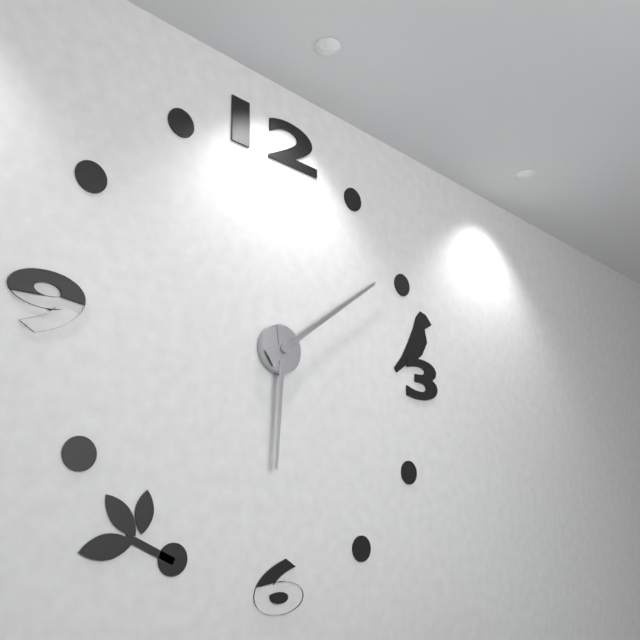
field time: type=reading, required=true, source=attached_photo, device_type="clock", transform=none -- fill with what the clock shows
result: 6:09
